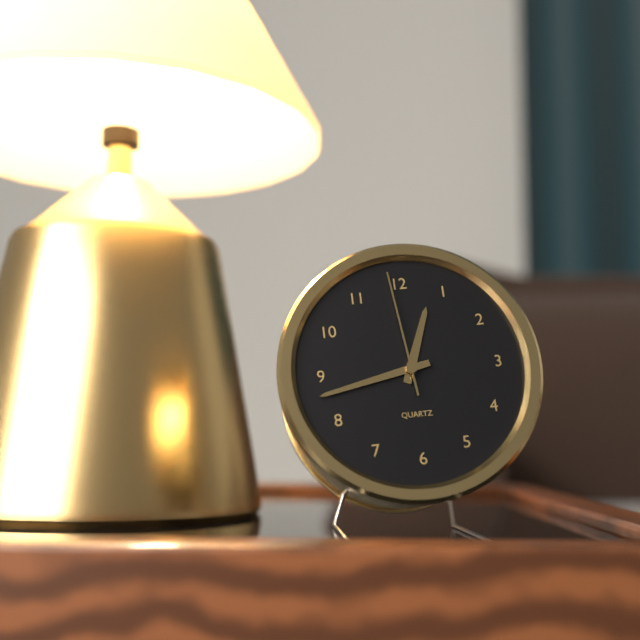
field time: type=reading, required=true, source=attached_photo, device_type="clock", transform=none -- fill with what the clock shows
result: 12:43:59
